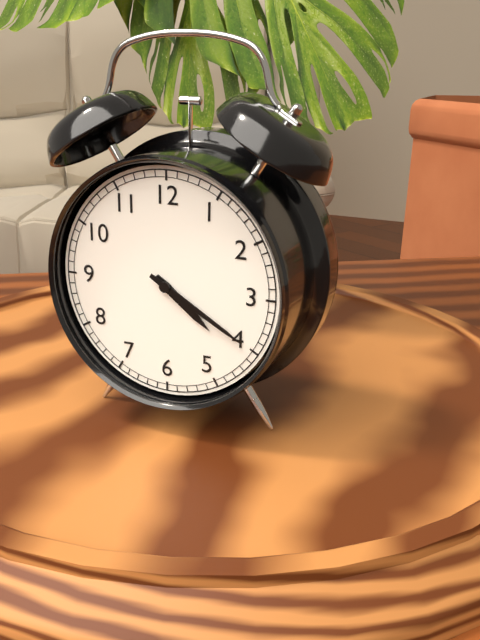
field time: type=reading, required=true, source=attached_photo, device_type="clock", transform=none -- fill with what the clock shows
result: 4:20
